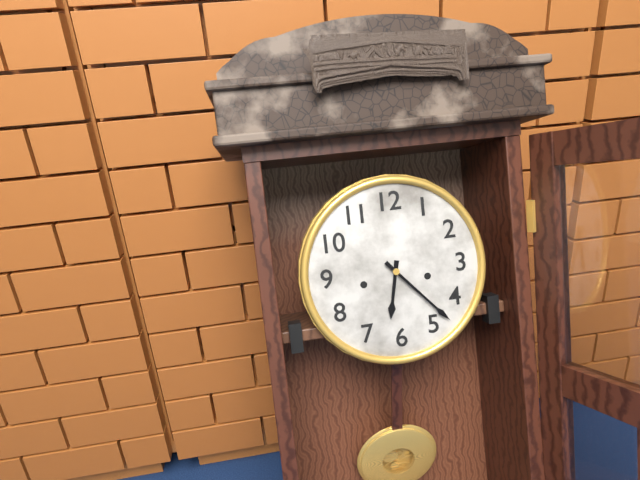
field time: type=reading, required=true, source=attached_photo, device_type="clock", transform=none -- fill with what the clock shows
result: 6:23
